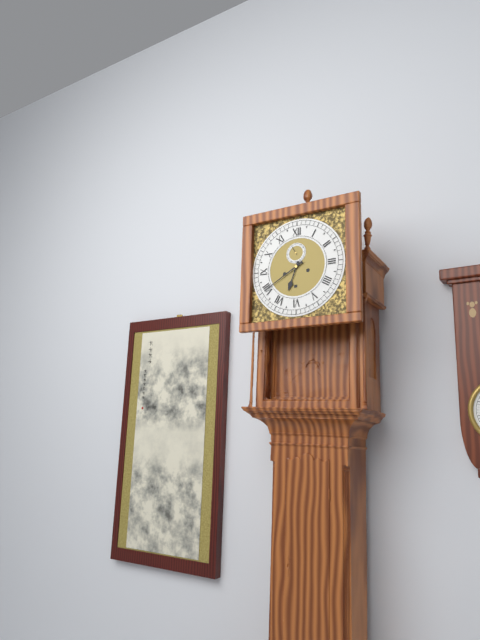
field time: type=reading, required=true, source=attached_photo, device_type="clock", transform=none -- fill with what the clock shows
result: 6:40
